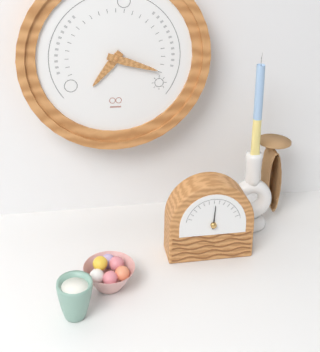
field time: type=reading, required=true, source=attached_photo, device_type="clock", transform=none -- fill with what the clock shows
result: 7:18
